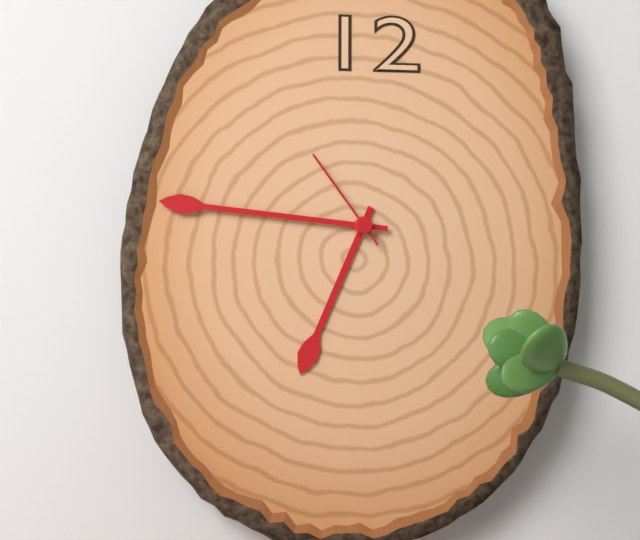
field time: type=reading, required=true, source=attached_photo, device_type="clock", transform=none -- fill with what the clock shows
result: 6:46:54
